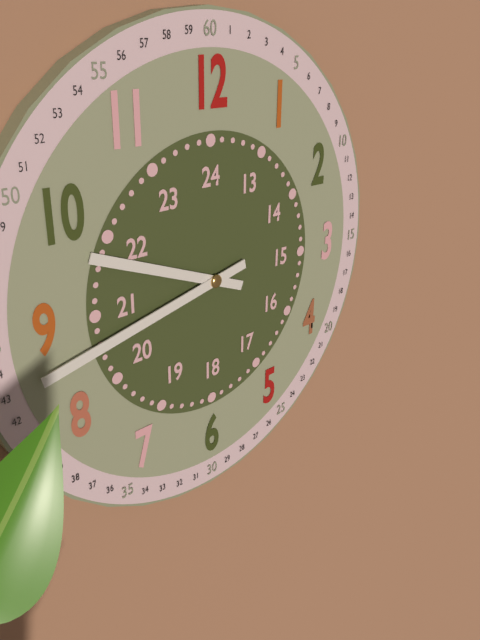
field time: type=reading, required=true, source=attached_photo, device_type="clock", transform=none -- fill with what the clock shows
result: 9:43
